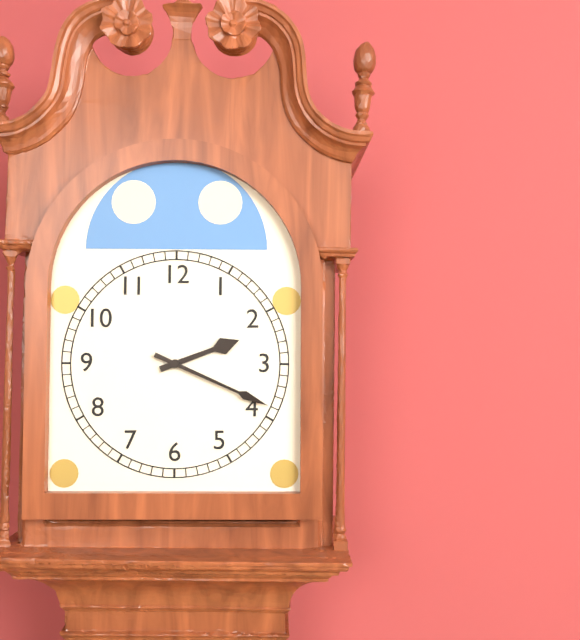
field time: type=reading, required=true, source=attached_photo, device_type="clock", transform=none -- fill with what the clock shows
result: 2:19
